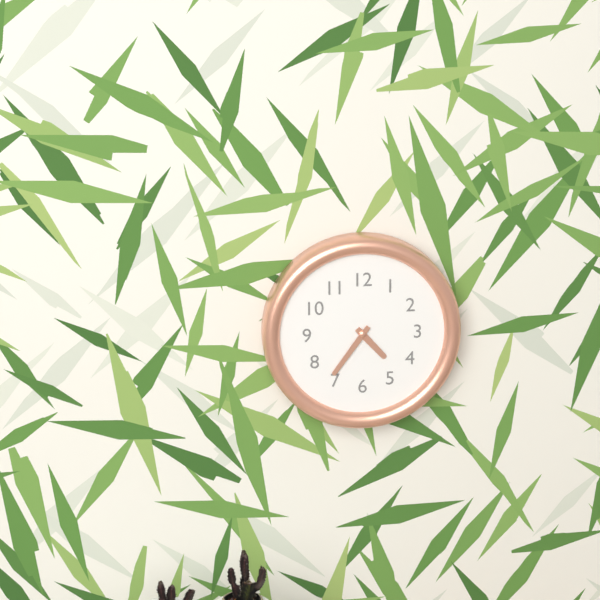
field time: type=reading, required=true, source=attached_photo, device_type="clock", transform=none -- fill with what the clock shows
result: 4:36
